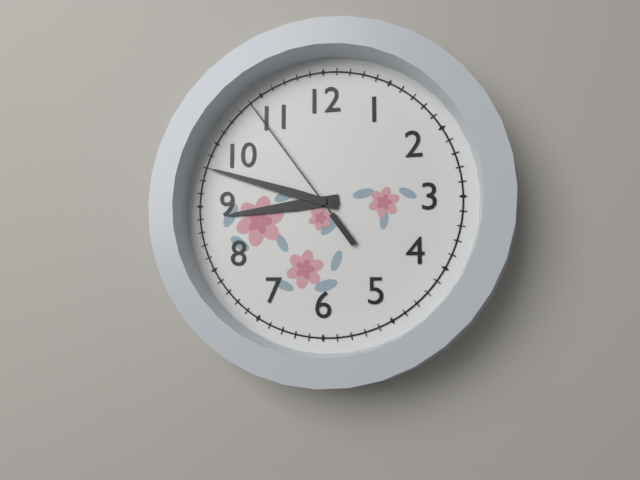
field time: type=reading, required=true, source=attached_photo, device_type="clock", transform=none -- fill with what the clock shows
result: 8:48:54
